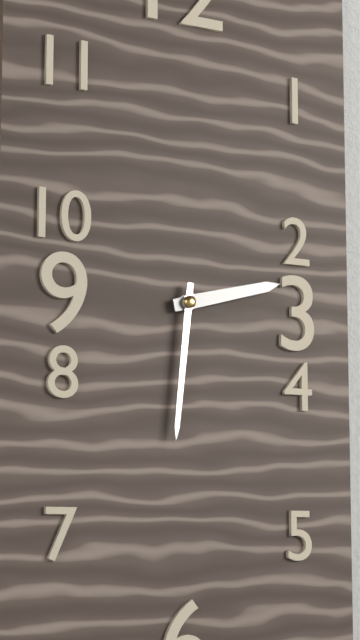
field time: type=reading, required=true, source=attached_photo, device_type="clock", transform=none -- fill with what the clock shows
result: 2:31
